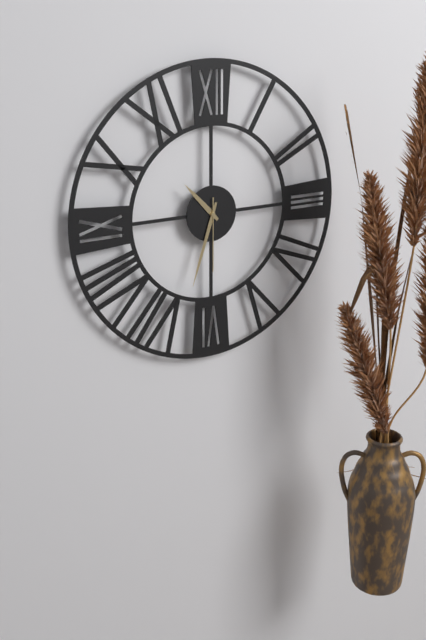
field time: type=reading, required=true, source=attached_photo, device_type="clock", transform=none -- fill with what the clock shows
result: 10:33:30
